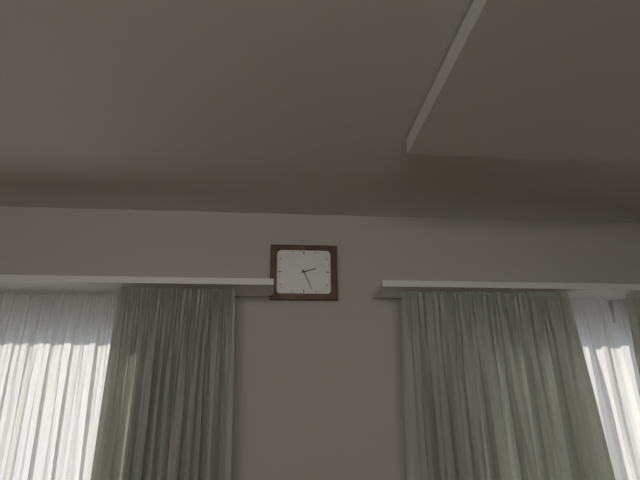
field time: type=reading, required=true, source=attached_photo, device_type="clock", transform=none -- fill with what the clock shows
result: 2:26
